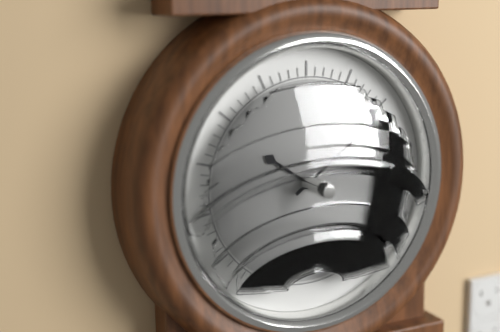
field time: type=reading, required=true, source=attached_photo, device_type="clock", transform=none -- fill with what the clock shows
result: 10:09
